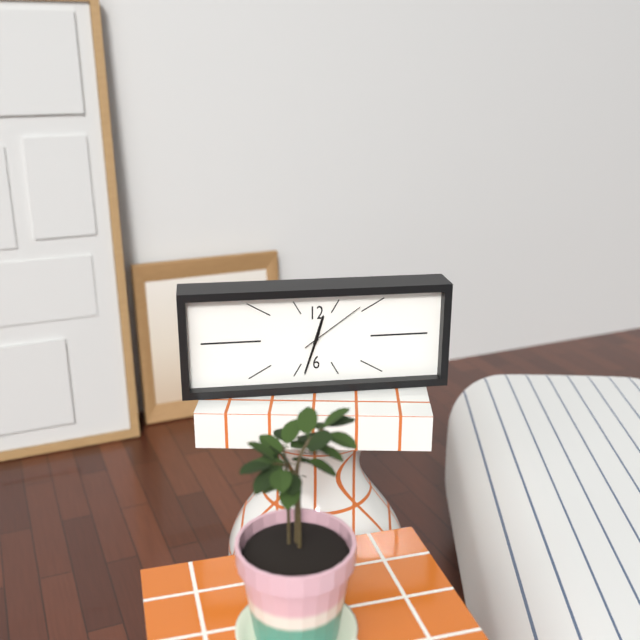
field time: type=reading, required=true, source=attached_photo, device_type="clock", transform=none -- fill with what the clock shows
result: 12:33:09
